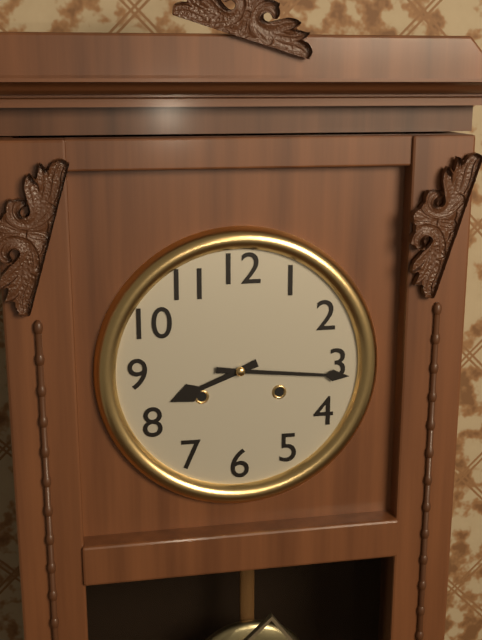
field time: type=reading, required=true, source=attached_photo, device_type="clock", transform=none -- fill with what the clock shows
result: 8:16
